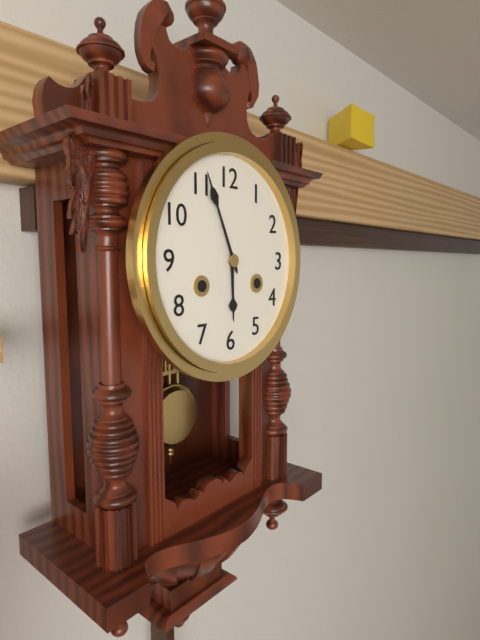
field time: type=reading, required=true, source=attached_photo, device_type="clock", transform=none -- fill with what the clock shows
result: 5:56
